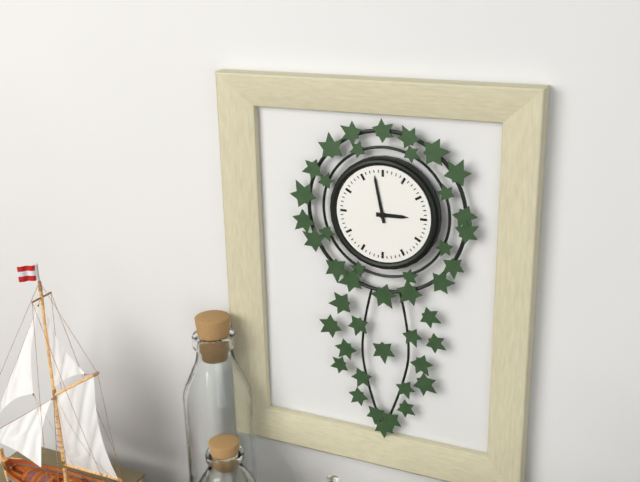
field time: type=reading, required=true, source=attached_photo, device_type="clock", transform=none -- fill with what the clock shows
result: 2:58
